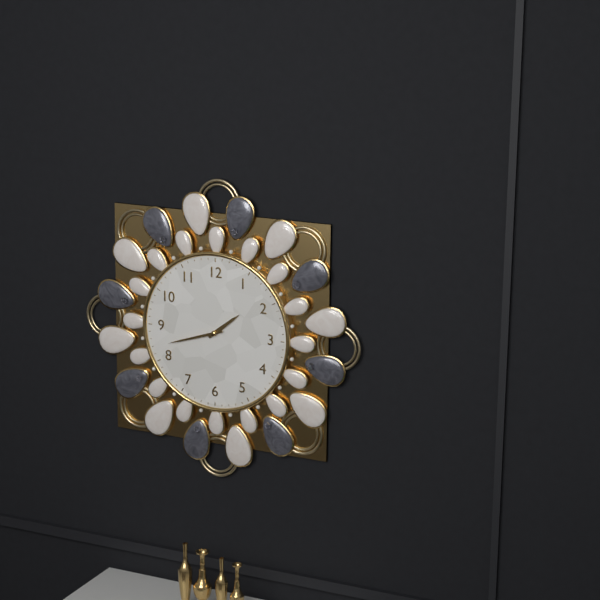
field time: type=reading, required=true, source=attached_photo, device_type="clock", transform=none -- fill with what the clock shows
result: 1:42
